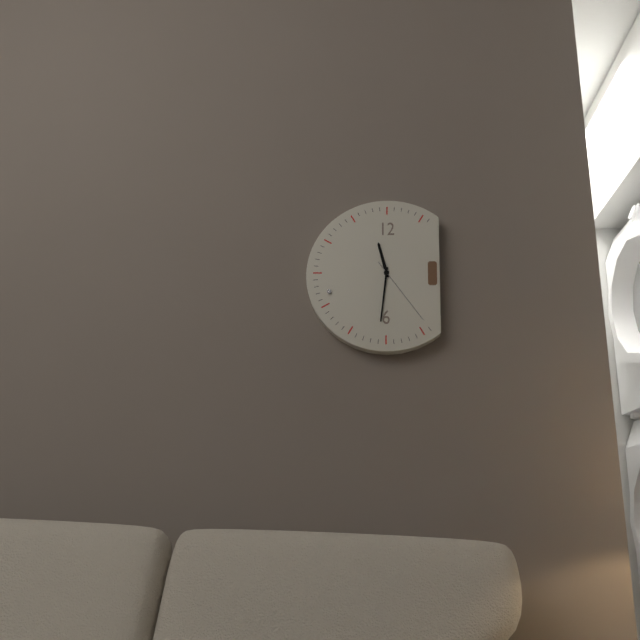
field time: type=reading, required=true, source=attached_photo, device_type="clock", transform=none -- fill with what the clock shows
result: 11:31:24
